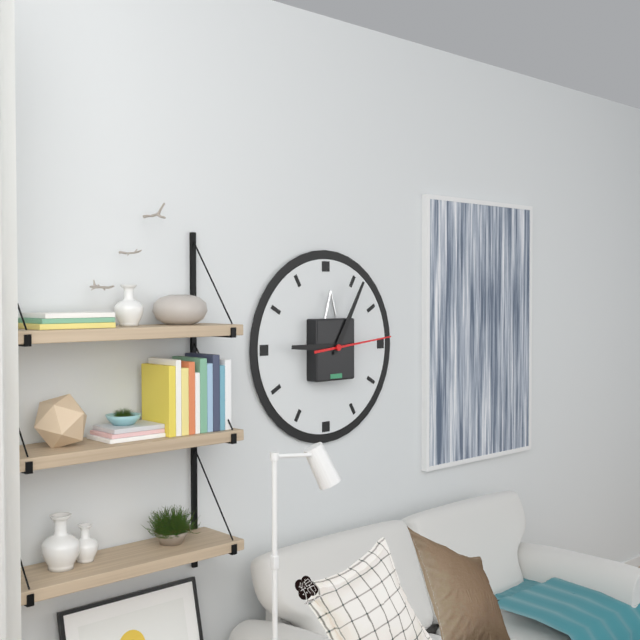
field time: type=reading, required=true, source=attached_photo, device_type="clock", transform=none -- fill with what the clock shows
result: 9:05:14
